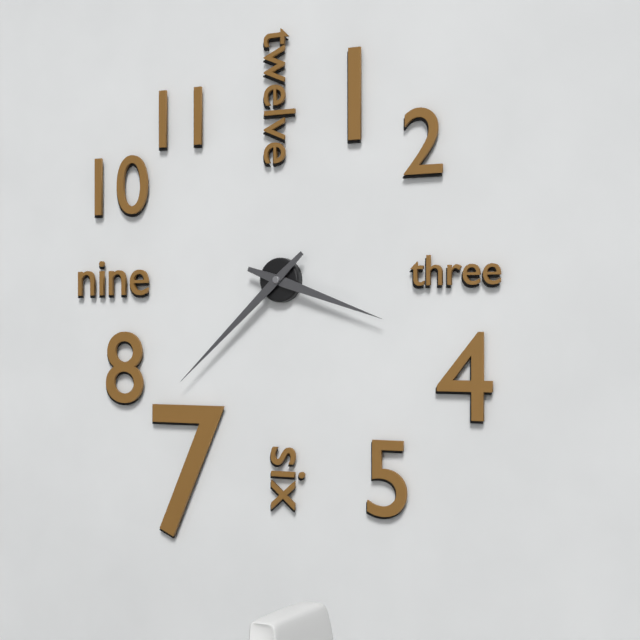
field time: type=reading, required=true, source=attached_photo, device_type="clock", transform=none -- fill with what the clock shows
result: 3:38
